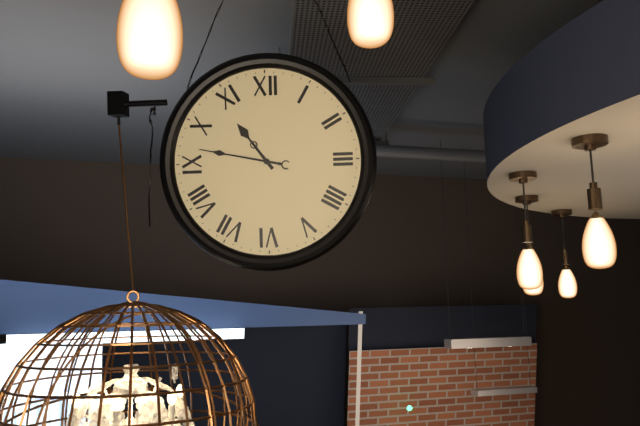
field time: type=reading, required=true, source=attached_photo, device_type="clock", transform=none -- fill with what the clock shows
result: 10:47
